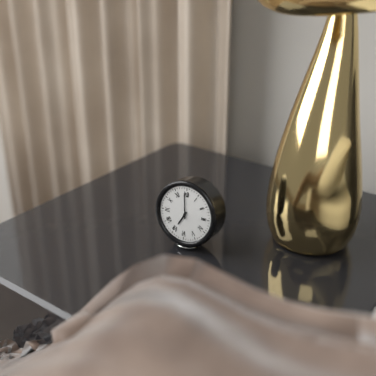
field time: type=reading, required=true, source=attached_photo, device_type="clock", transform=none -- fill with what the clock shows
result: 6:59
